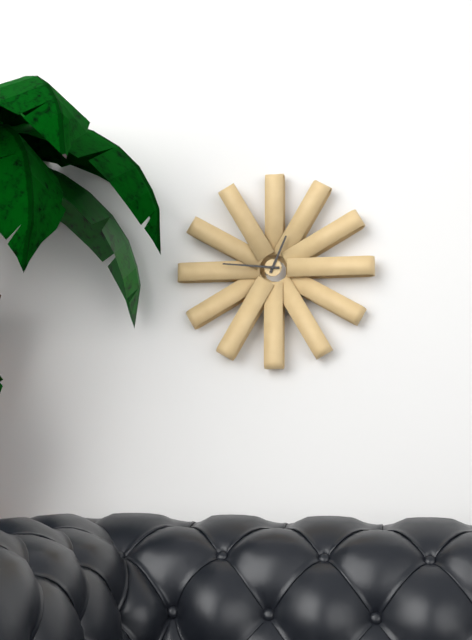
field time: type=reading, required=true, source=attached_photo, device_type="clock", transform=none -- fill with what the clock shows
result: 12:46
